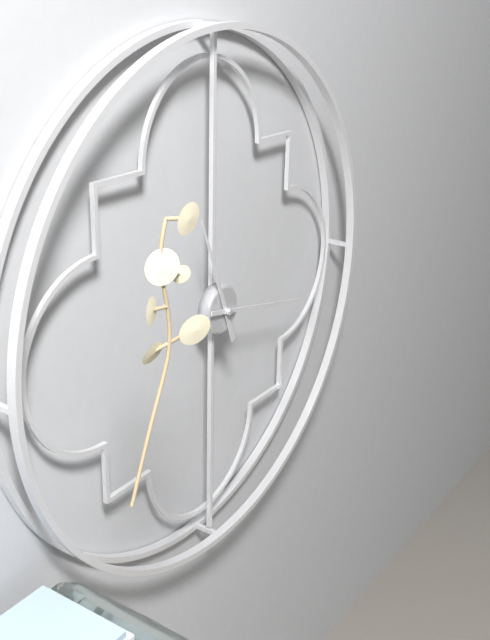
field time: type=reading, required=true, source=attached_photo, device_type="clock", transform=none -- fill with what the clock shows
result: 11:17
